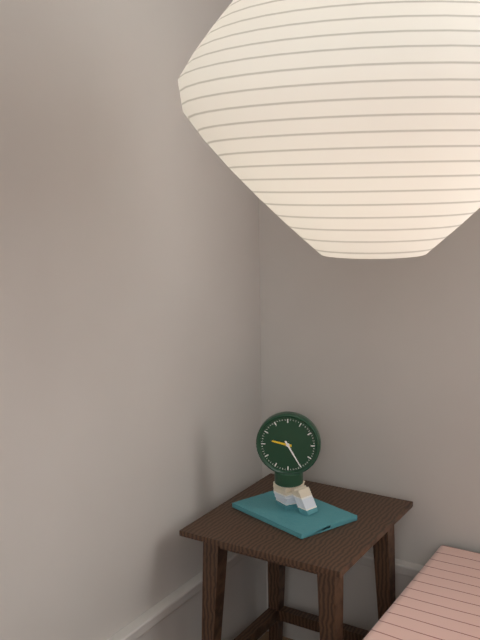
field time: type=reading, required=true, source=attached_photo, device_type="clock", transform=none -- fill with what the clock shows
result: 9:25
